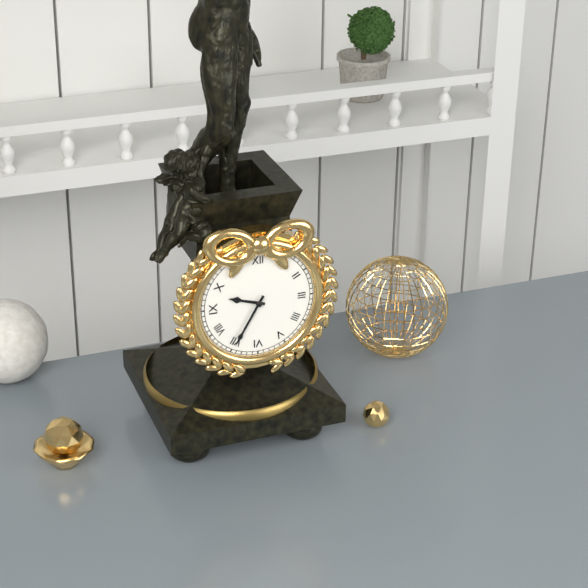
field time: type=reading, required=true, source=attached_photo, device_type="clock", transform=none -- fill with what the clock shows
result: 9:35
